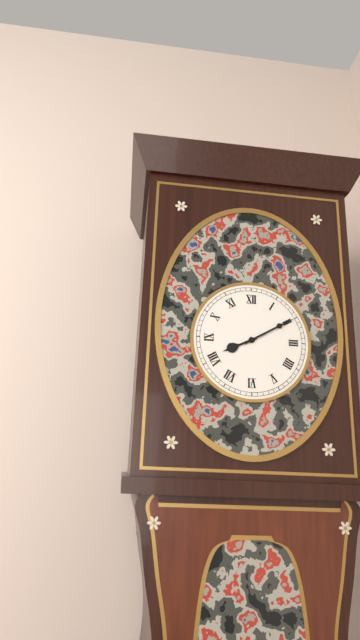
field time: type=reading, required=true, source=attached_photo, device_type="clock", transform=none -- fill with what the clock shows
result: 8:10
